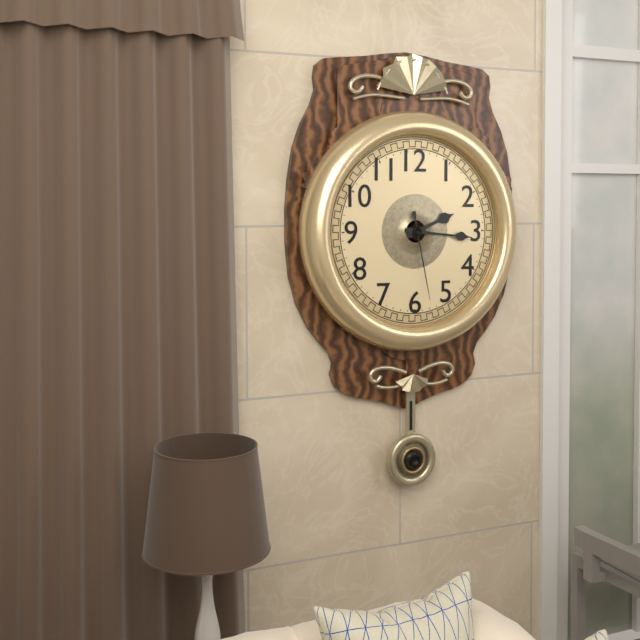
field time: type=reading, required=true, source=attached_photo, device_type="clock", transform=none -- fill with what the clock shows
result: 2:16:28
